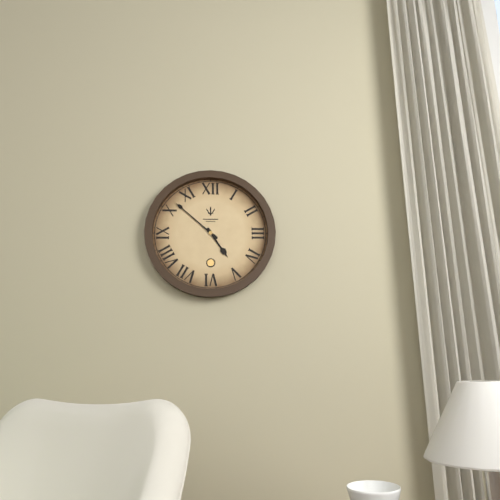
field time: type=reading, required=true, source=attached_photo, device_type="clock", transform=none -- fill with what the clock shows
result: 4:52
